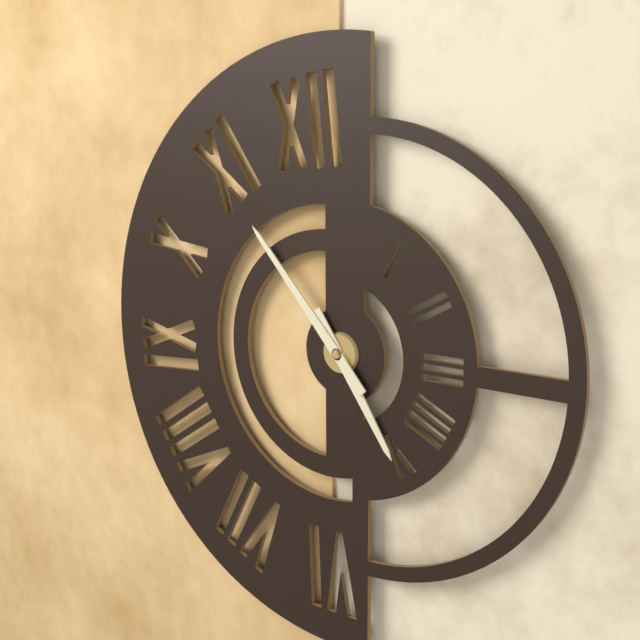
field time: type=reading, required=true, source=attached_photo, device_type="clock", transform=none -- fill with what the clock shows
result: 4:53
